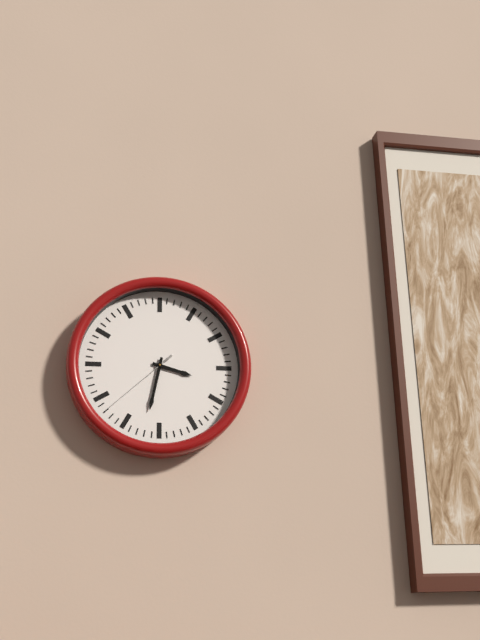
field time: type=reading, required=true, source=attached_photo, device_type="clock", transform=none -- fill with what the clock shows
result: 3:32:38
